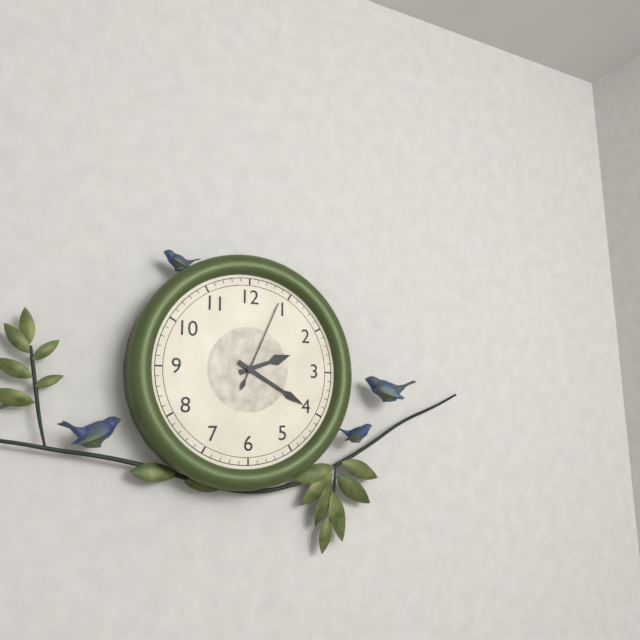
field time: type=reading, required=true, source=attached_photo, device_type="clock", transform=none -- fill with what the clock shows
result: 2:20:04
